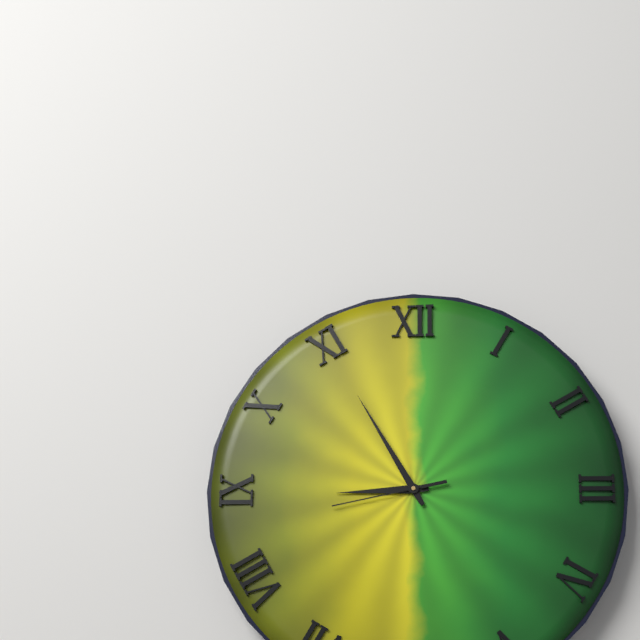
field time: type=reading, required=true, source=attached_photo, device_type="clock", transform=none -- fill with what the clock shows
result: 8:55:43
